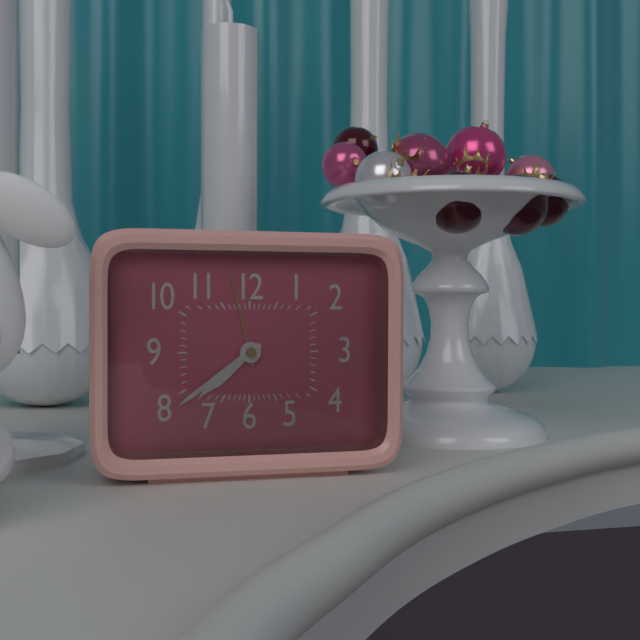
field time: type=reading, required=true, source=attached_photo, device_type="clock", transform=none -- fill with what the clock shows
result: 7:39
